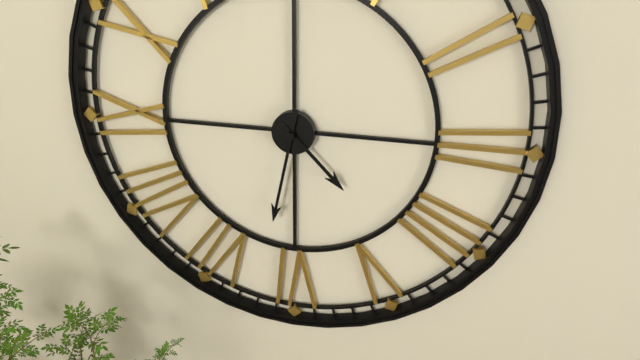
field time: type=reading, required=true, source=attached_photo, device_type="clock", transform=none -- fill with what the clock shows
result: 4:32
